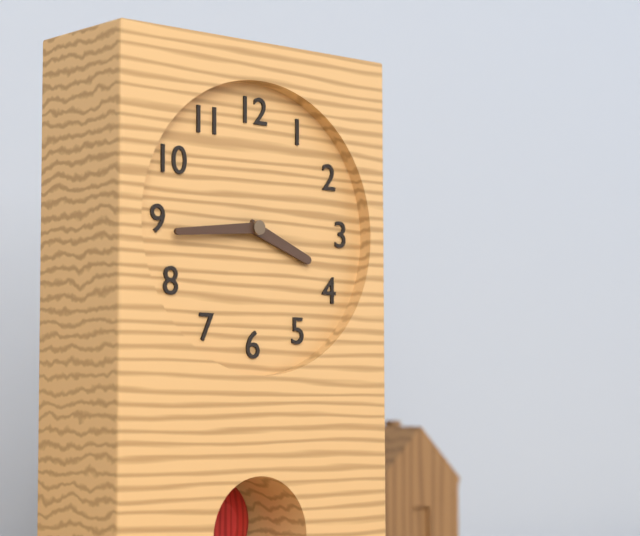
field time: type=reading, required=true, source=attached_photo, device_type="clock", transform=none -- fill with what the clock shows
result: 3:44
